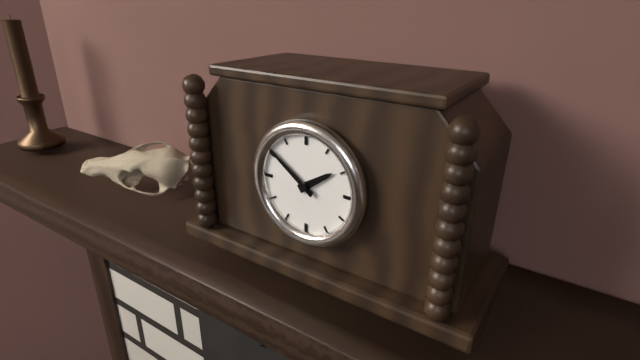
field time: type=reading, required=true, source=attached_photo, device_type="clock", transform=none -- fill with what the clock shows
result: 1:51
